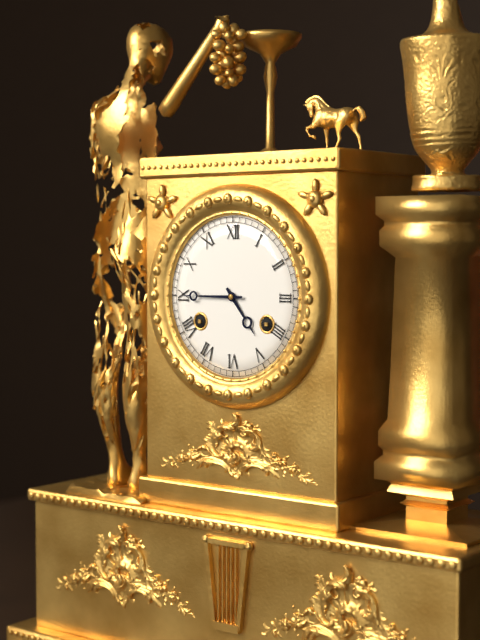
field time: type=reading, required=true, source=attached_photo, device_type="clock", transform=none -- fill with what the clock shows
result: 4:45
